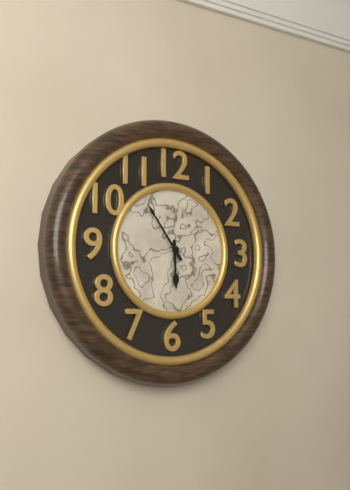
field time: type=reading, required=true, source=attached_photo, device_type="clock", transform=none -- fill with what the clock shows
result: 5:54
